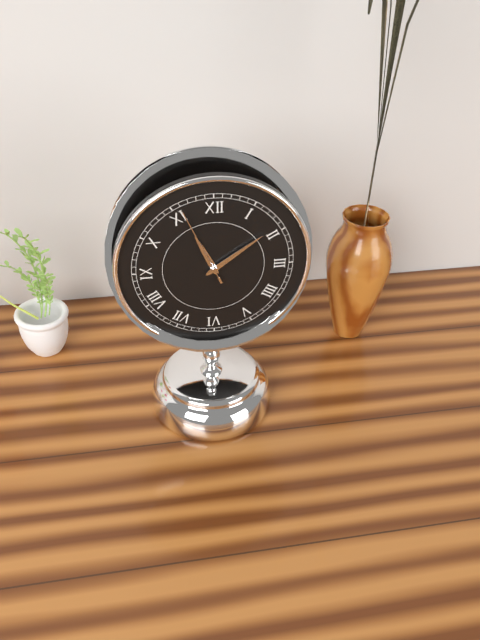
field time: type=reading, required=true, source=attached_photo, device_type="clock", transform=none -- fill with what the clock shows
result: 11:09:56
